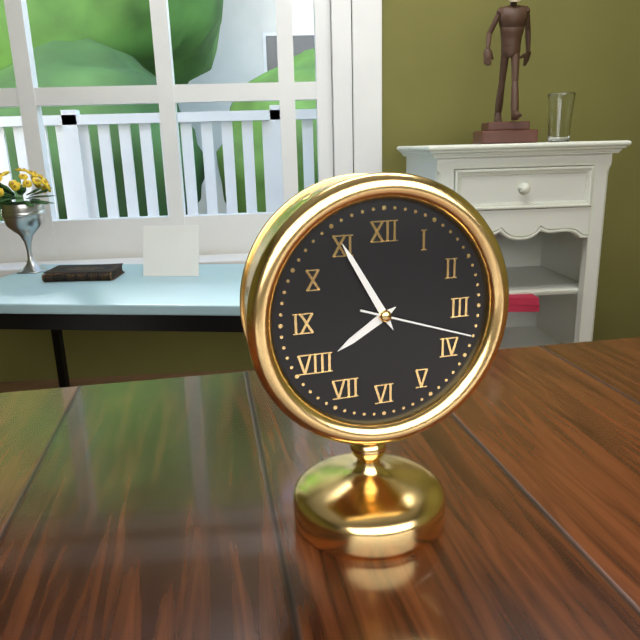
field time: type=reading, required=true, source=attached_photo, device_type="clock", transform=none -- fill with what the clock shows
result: 7:55:18
